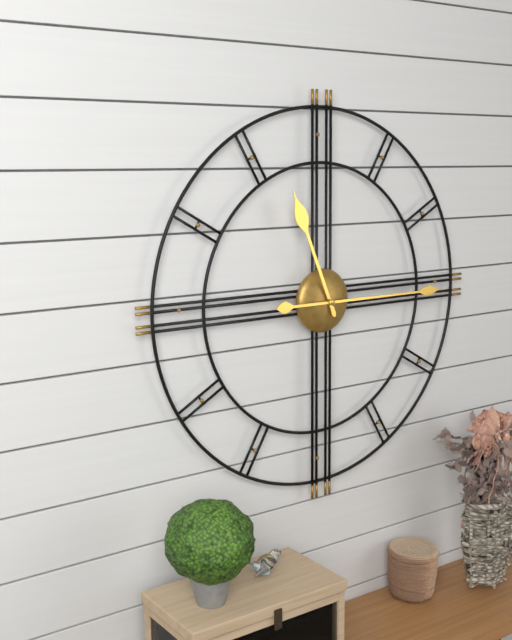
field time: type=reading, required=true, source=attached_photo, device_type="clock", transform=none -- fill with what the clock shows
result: 11:15
